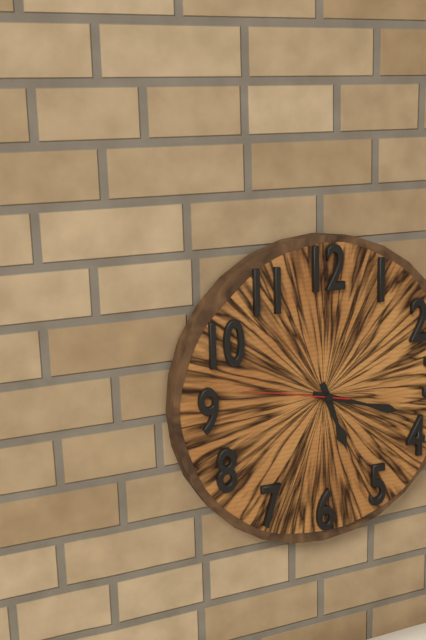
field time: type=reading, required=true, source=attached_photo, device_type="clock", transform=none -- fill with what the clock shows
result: 5:18:47
